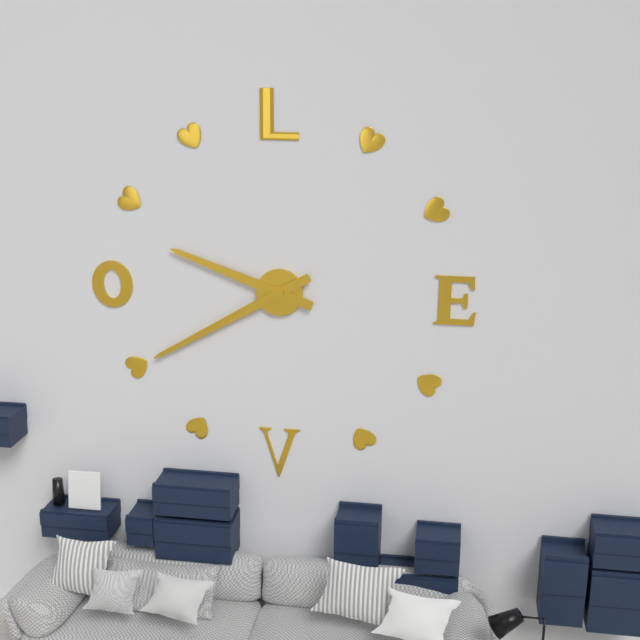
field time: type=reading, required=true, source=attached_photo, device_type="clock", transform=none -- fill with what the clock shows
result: 9:40
